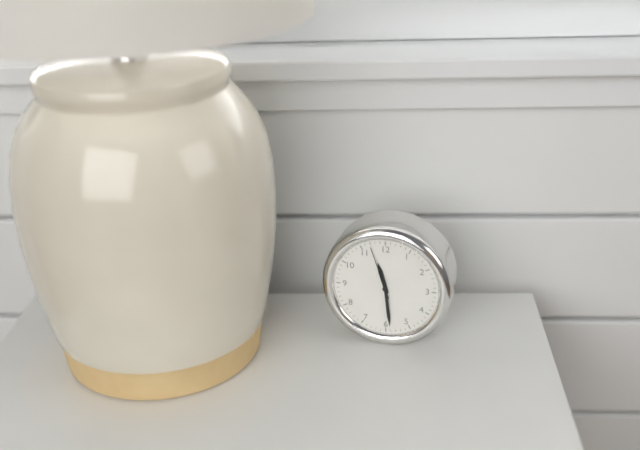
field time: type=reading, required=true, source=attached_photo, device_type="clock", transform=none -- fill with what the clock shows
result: 11:29:57
